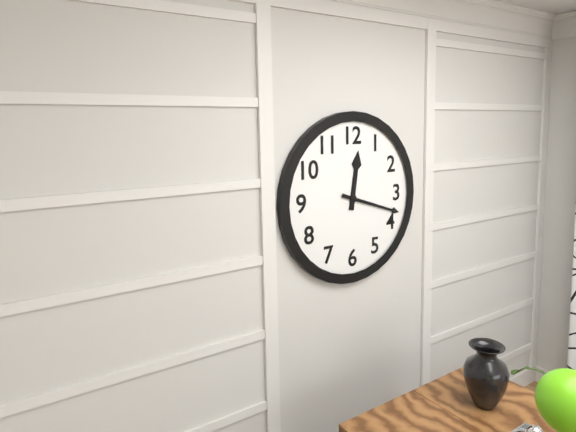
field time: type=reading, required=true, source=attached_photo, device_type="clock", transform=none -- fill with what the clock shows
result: 12:18
